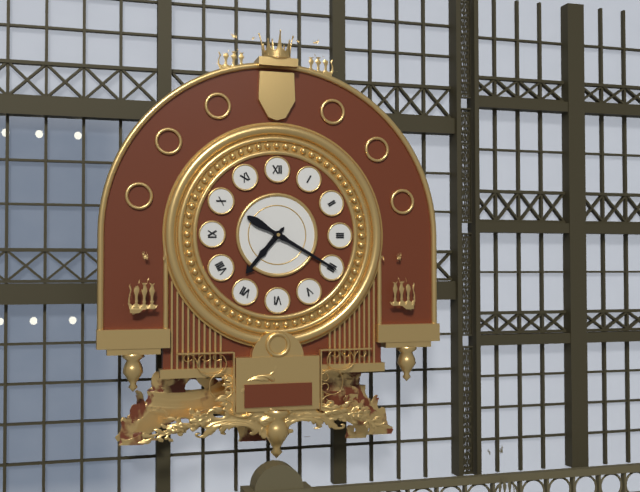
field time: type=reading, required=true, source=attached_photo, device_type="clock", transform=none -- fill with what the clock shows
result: 7:20
